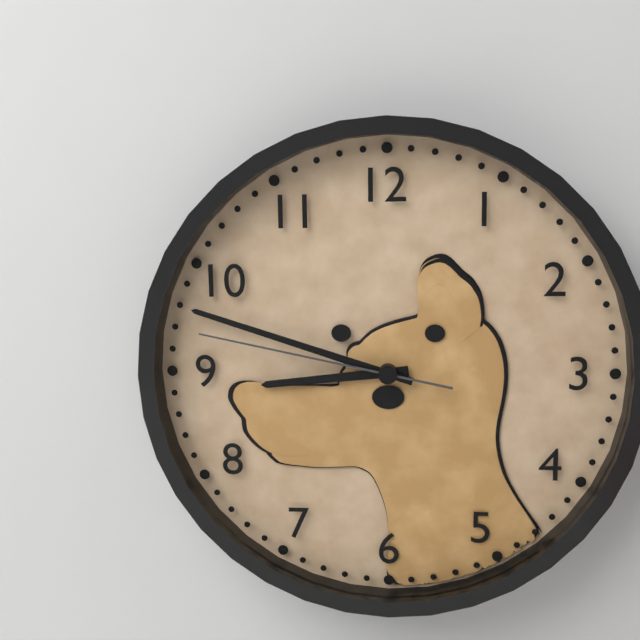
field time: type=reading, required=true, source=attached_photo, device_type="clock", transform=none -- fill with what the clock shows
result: 8:48:47
